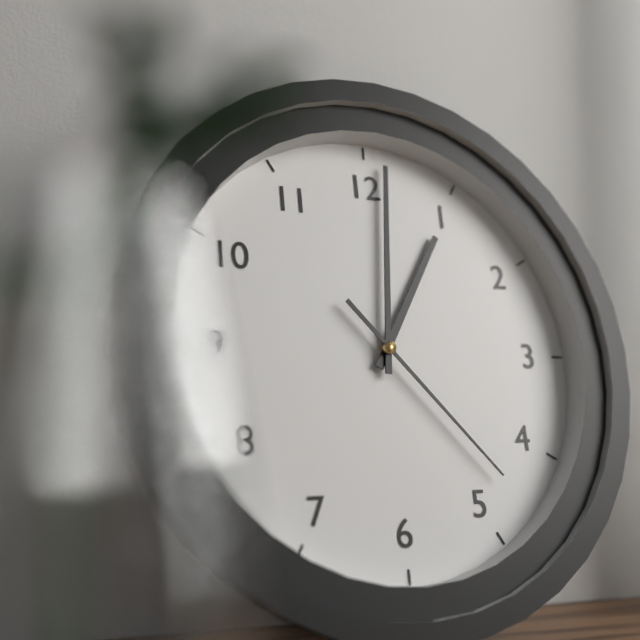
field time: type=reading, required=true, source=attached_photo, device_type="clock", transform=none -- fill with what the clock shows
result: 1:01:23
